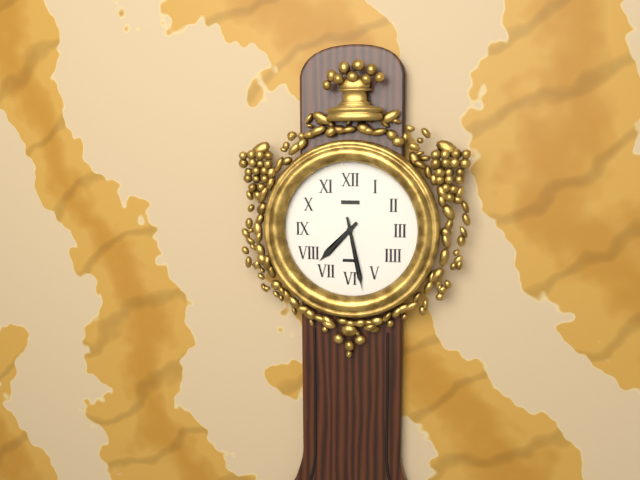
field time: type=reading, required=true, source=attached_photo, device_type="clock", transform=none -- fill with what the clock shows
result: 7:28
